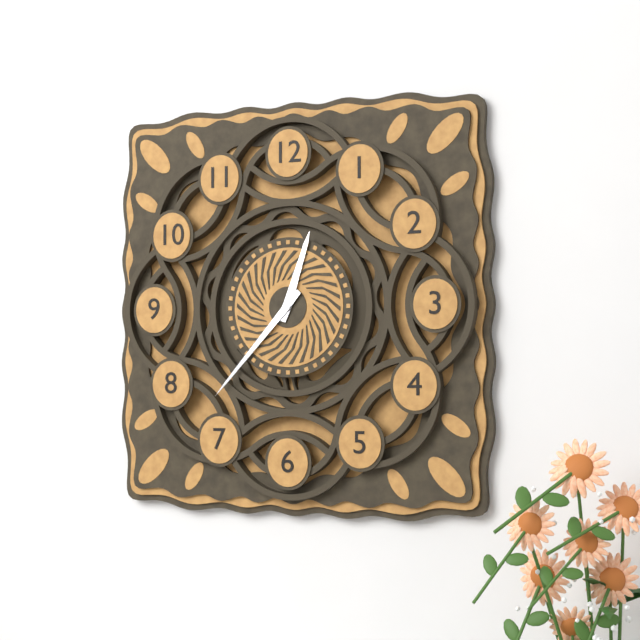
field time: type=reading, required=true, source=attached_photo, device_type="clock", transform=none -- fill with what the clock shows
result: 12:37
